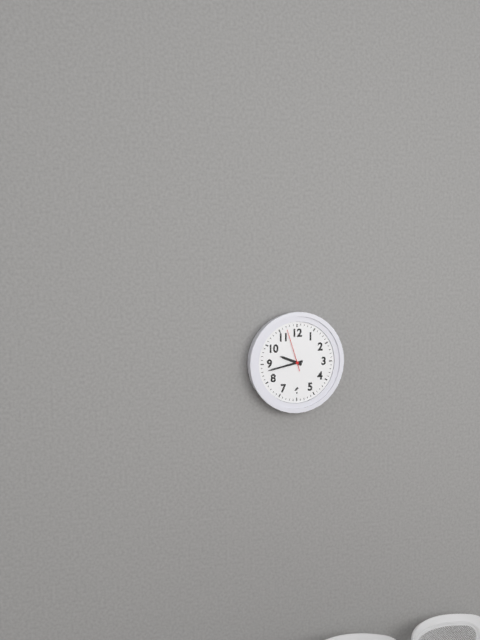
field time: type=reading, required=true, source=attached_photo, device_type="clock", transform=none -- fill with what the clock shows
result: 9:43
